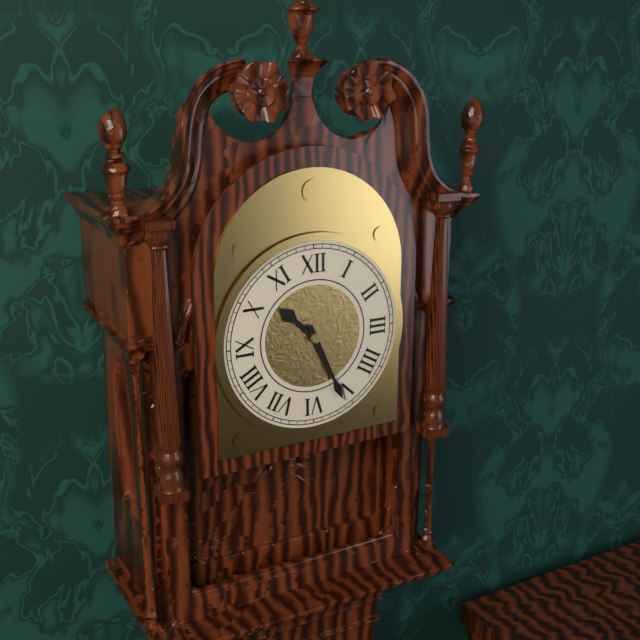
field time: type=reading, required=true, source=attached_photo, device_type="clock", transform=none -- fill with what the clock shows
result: 10:26
